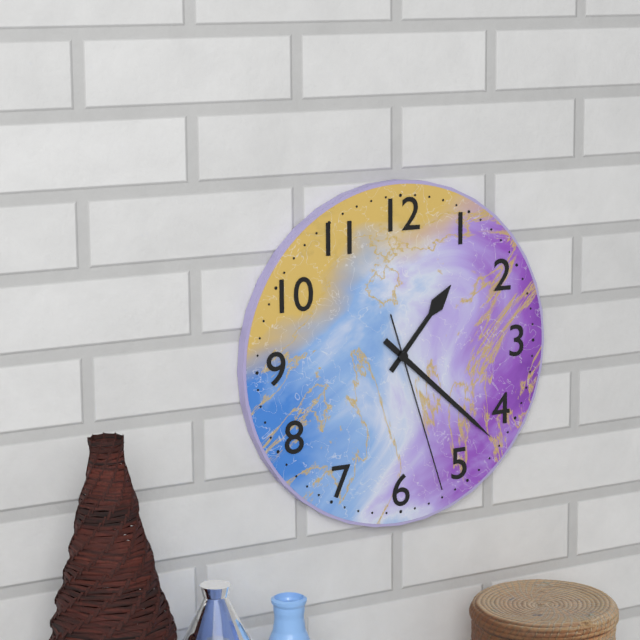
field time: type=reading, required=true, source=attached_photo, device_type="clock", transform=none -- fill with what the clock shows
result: 1:22:27
